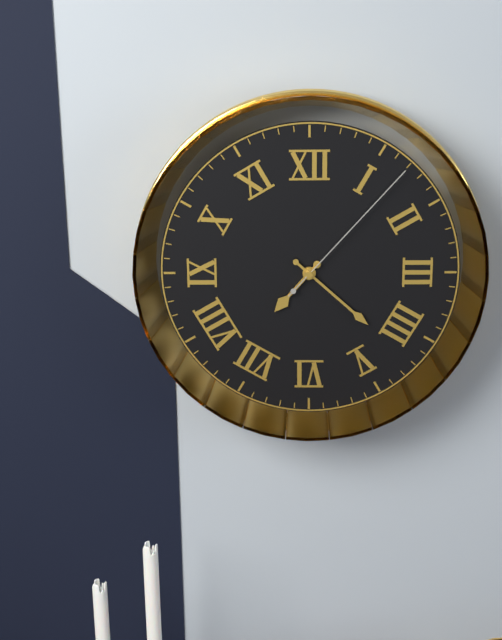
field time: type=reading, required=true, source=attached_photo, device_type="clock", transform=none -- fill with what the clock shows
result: 7:22:07
